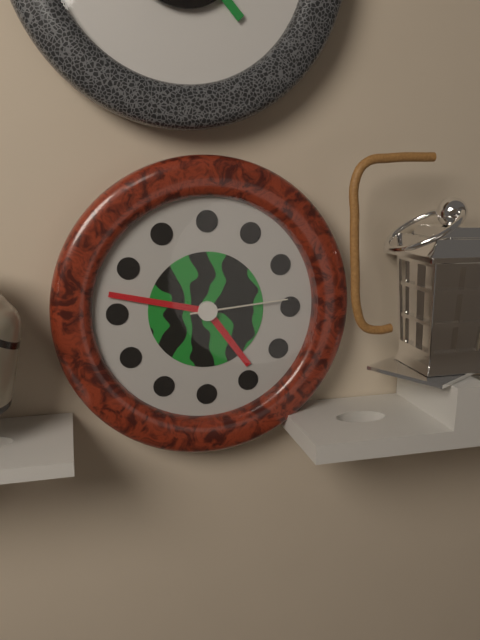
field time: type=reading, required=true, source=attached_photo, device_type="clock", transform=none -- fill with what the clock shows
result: 4:47:14
